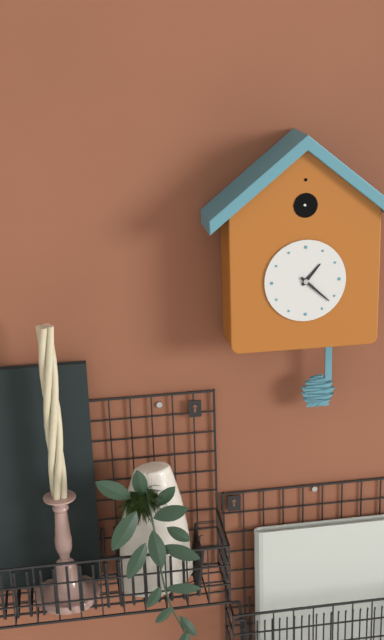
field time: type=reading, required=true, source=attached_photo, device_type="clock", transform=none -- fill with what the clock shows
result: 1:22
